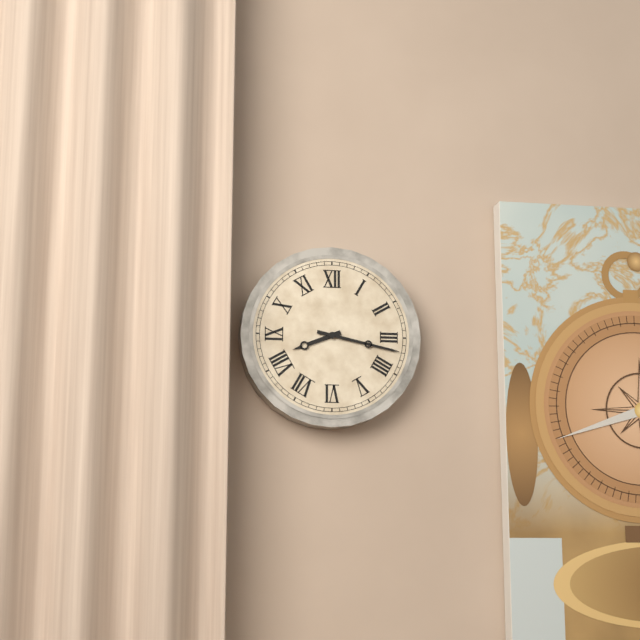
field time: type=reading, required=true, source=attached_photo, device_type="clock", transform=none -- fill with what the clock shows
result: 8:17
